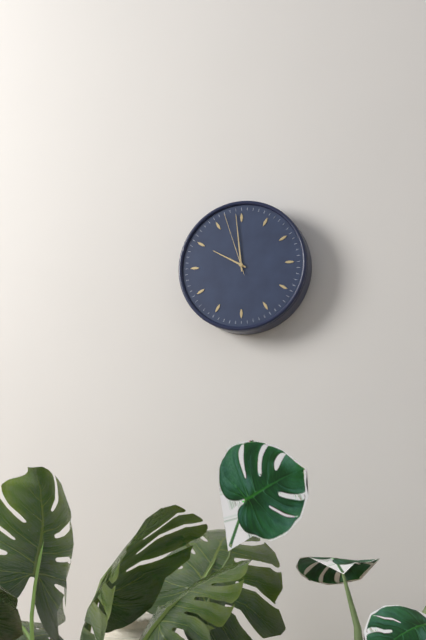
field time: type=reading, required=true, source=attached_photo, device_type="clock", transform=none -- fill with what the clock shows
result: 9:59:57
